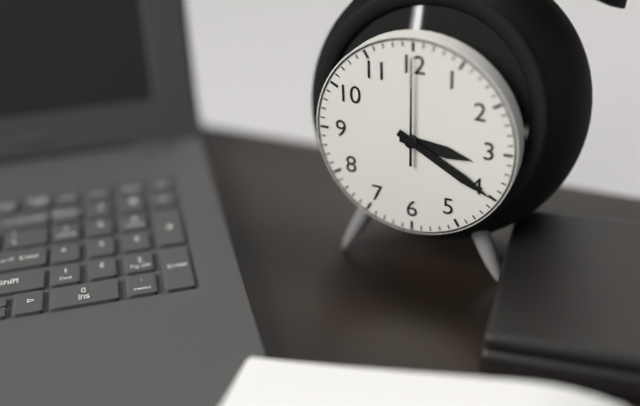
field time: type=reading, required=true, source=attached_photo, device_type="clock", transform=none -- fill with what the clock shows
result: 3:20:00
